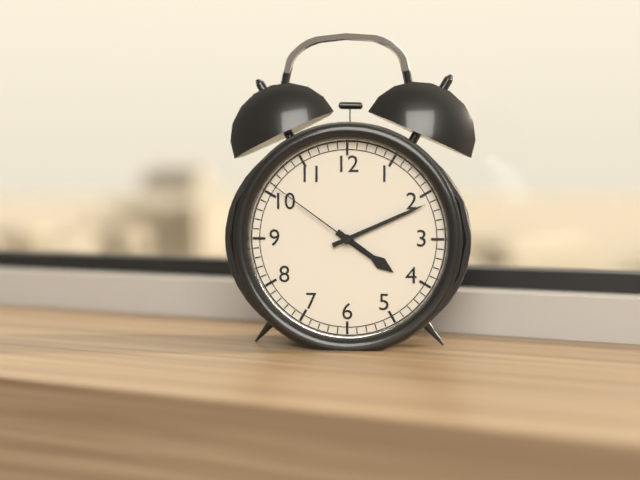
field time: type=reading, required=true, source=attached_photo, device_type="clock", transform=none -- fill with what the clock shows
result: 4:11:51
